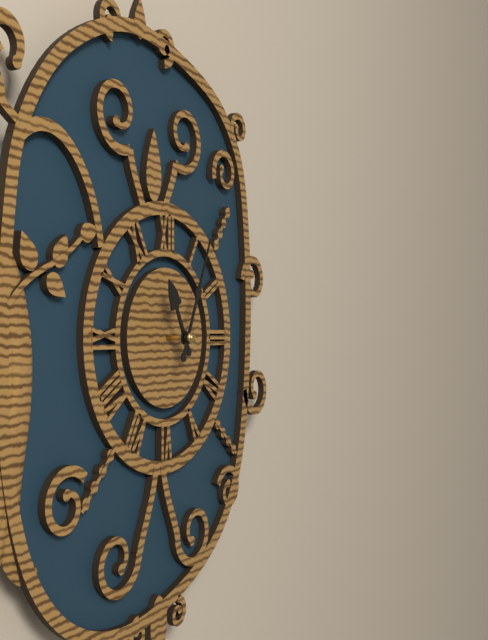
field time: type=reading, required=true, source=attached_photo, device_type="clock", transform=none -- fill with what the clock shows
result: 11:04
